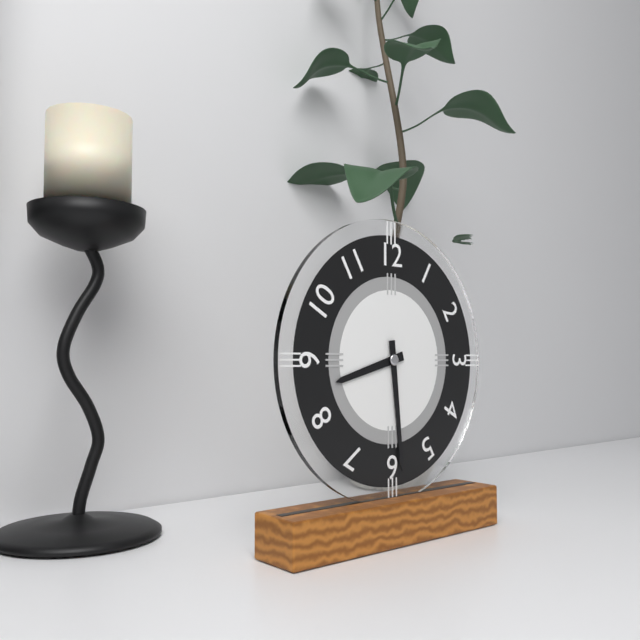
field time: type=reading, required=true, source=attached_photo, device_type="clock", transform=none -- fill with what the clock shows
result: 8:29
